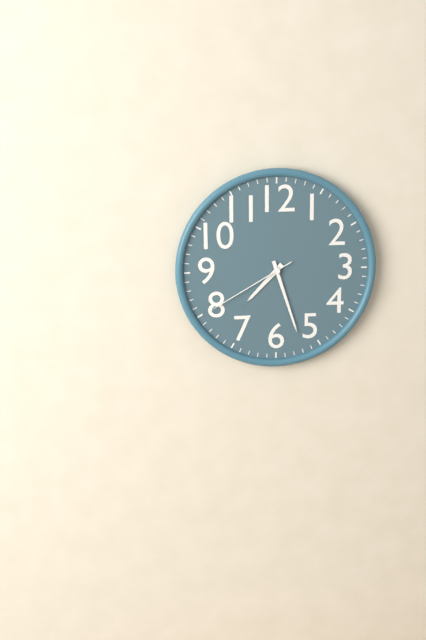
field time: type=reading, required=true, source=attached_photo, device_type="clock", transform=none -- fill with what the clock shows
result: 7:27:40
